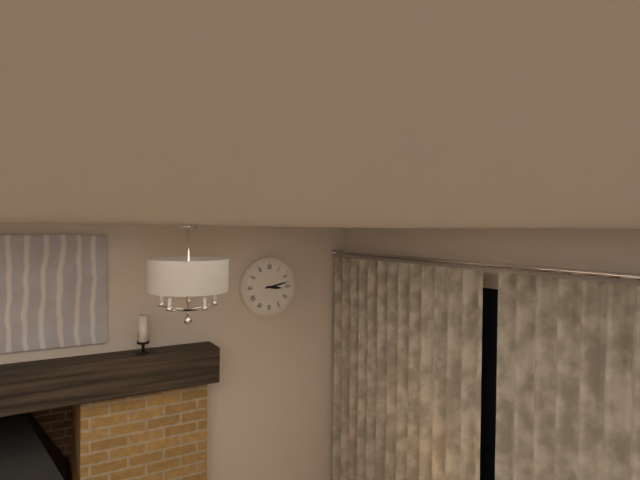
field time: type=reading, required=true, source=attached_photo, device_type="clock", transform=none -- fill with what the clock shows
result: 3:13
